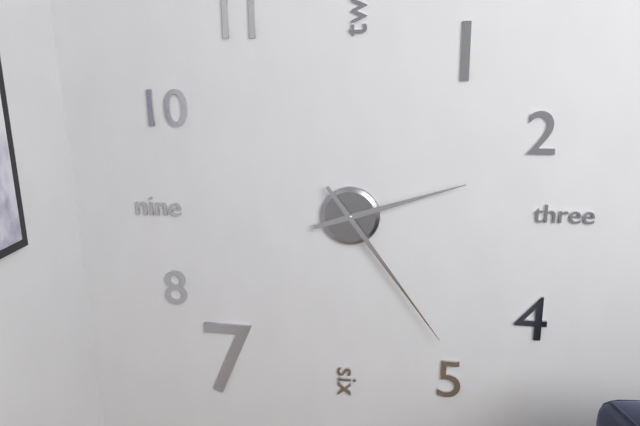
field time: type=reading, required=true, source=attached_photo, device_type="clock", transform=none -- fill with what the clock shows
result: 2:24
